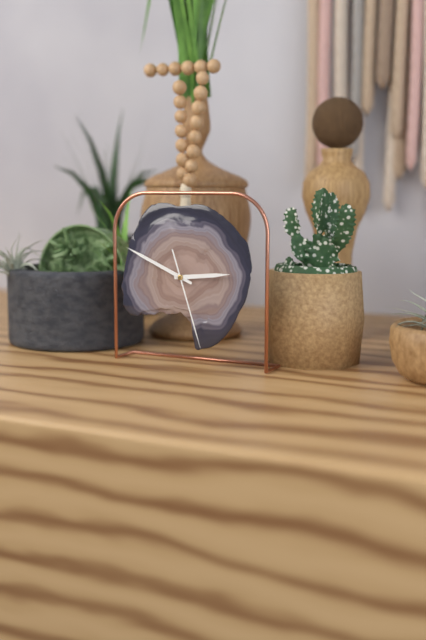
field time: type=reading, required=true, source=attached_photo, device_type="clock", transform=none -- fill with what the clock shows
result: 2:49:27
